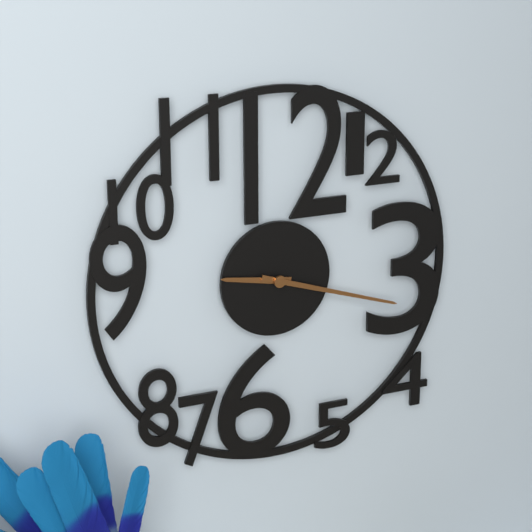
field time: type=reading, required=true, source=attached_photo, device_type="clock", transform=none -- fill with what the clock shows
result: 9:18
